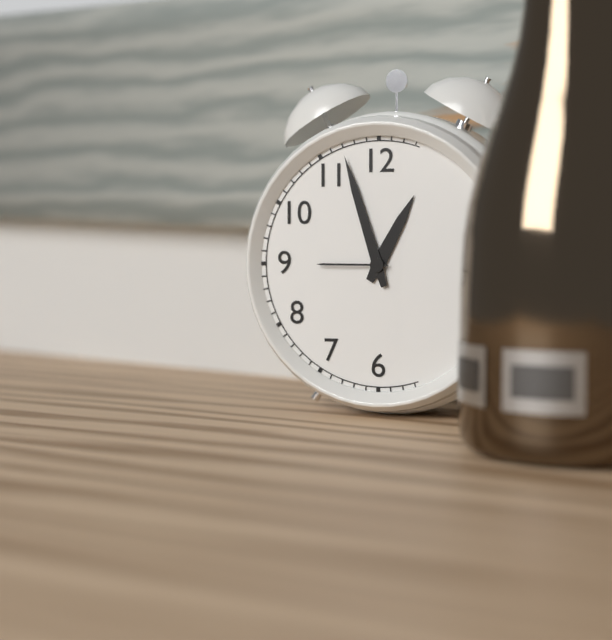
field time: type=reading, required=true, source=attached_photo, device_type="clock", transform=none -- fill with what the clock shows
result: 12:57
